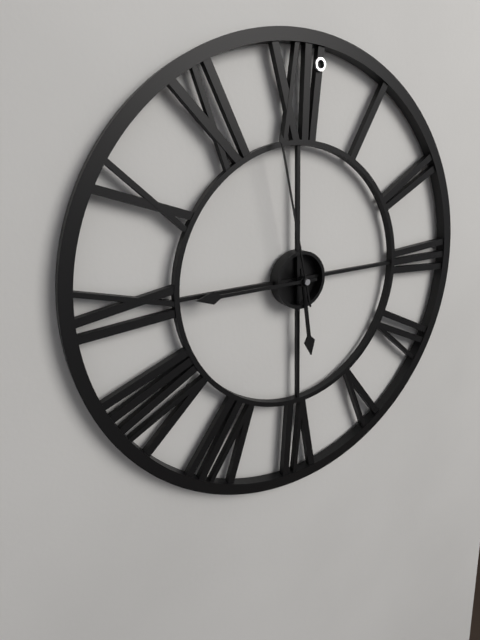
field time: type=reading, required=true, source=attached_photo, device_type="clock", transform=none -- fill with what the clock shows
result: 5:45:58
